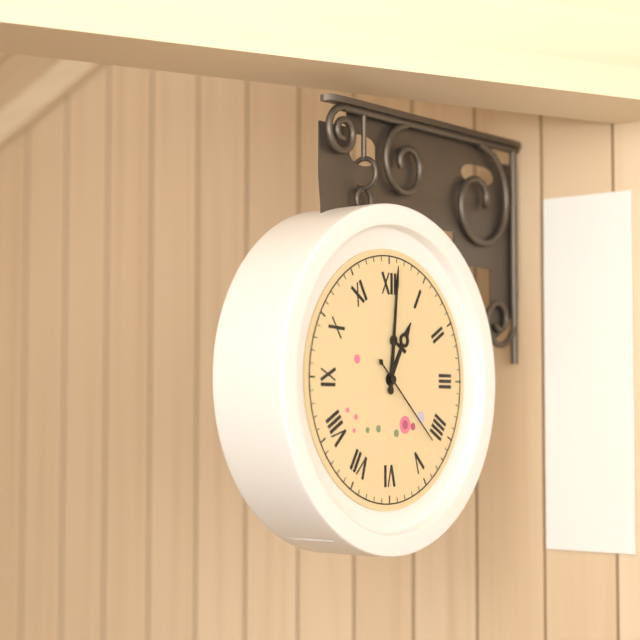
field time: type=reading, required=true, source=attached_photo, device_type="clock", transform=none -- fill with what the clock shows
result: 1:01:22
